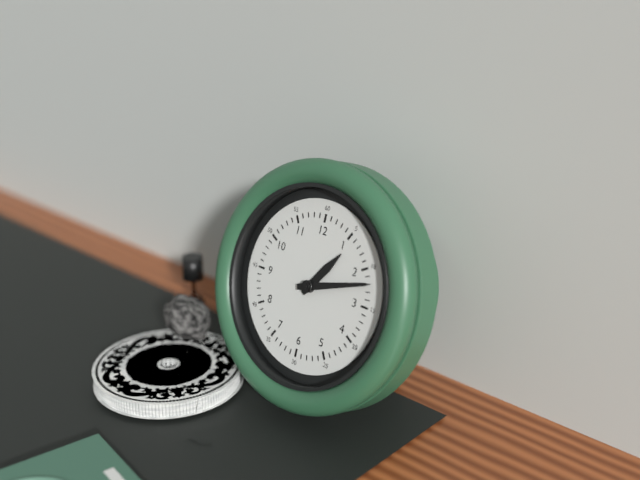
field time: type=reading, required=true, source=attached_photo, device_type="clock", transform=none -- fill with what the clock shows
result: 1:12
